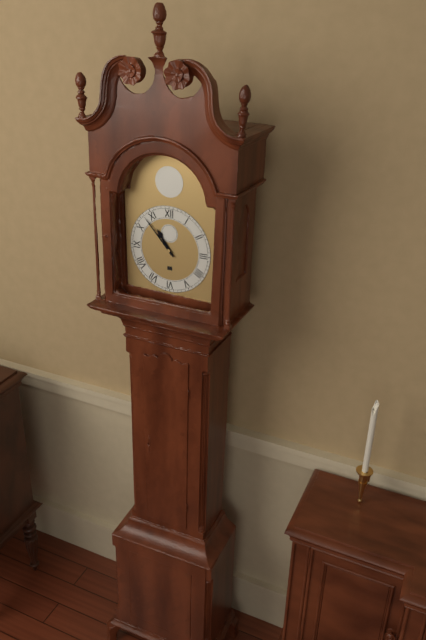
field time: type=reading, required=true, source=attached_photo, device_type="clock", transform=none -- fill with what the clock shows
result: 10:53
